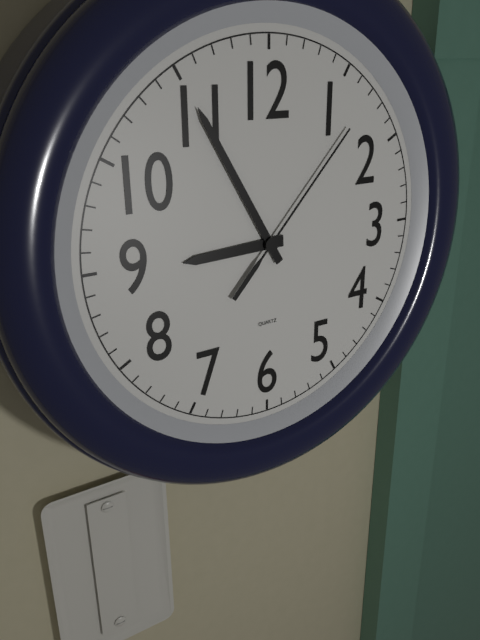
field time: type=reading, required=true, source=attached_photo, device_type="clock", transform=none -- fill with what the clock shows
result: 8:55:07
